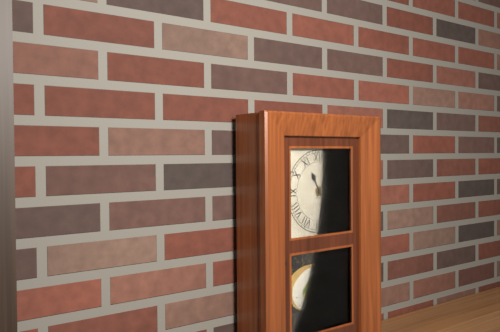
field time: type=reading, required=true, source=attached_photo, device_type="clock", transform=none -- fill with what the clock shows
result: 11:05
